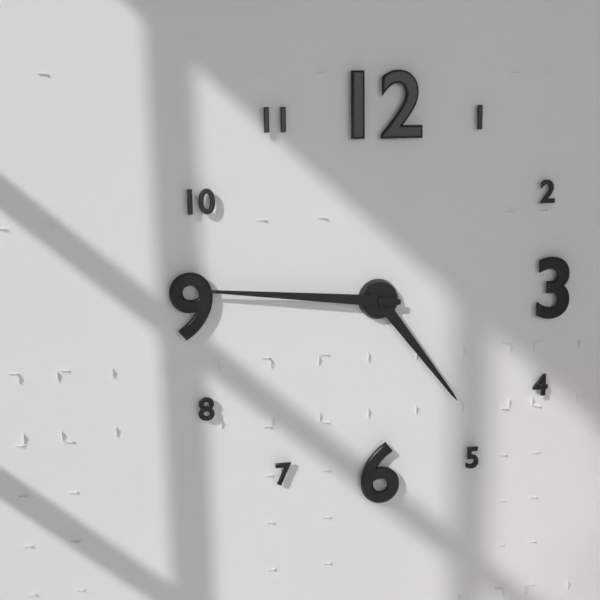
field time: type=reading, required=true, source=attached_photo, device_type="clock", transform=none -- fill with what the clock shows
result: 4:46
